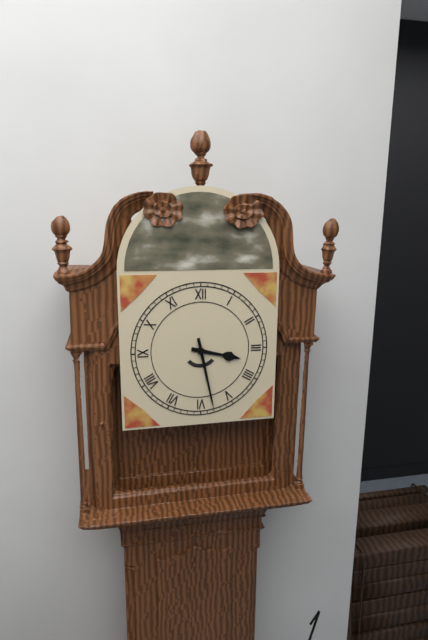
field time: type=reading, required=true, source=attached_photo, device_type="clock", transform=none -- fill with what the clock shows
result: 3:28
